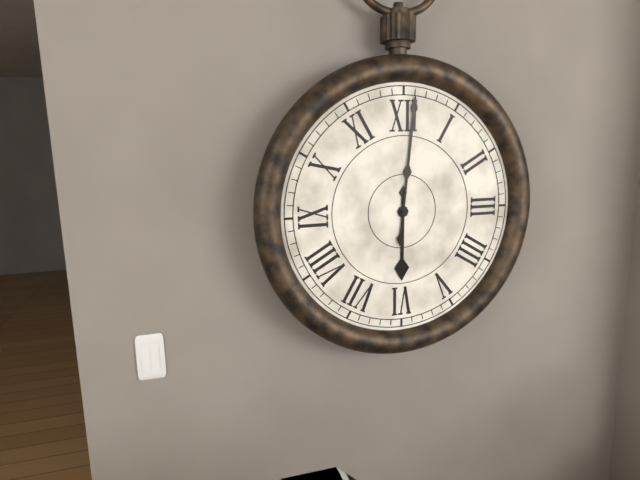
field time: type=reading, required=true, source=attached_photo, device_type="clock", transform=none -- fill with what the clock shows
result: 6:01
